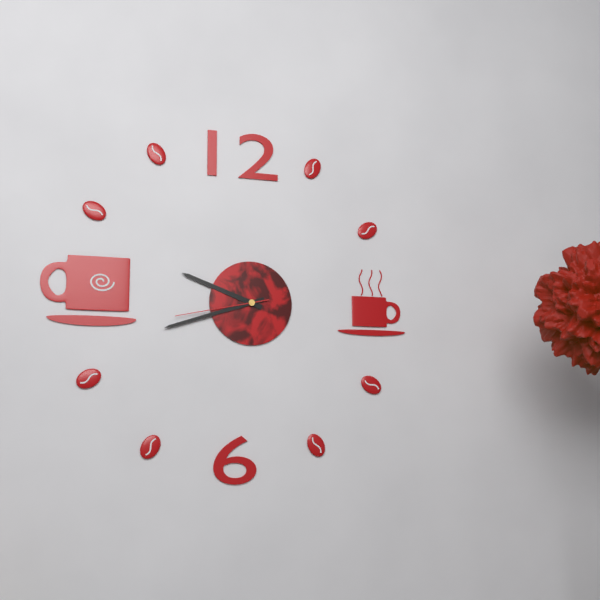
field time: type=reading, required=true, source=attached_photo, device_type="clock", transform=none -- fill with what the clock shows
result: 9:42:43
